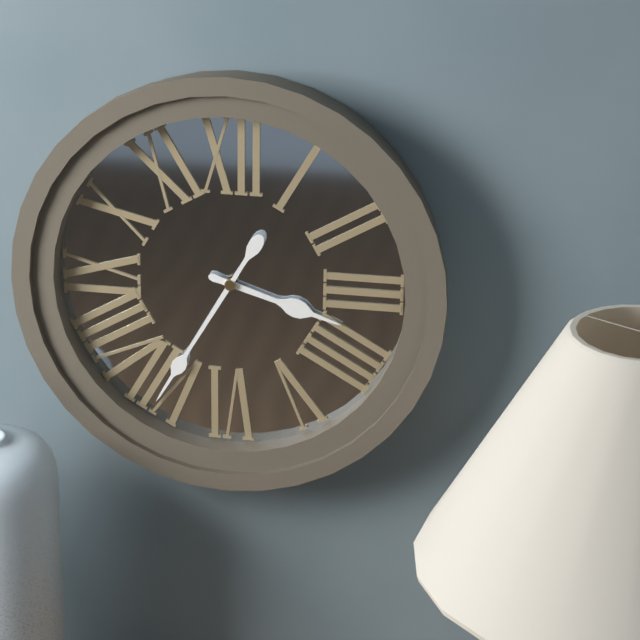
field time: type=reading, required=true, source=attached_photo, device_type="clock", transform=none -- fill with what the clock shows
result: 3:35
